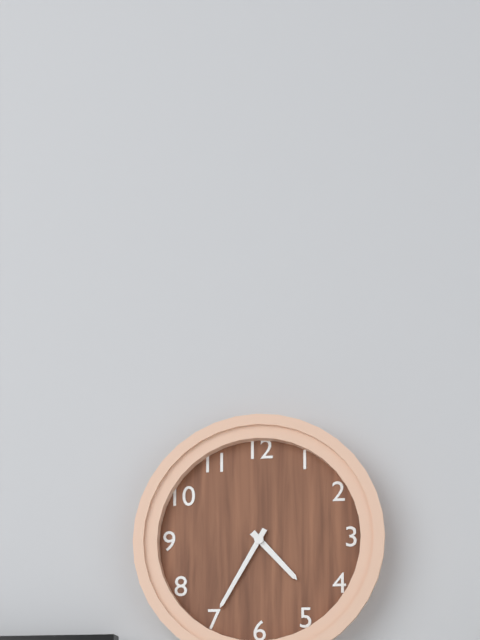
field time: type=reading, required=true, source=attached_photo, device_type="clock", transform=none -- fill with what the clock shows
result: 4:35
